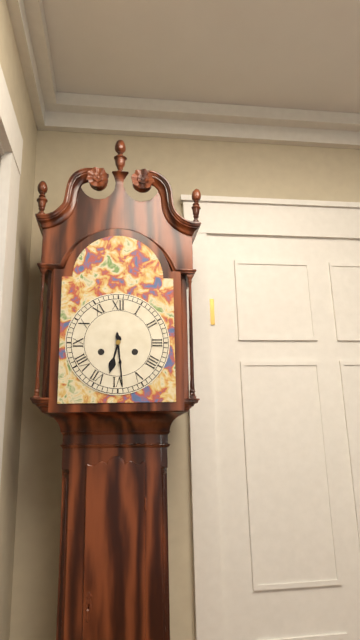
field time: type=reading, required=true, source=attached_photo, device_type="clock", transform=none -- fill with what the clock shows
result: 6:29
